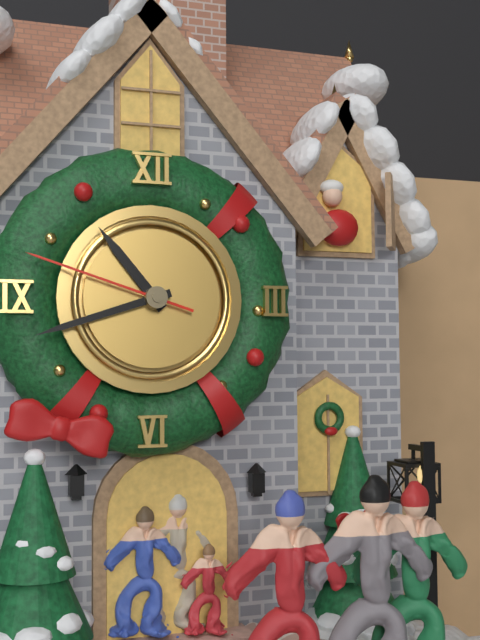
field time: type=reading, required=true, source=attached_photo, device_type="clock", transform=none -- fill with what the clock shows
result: 10:42:48
